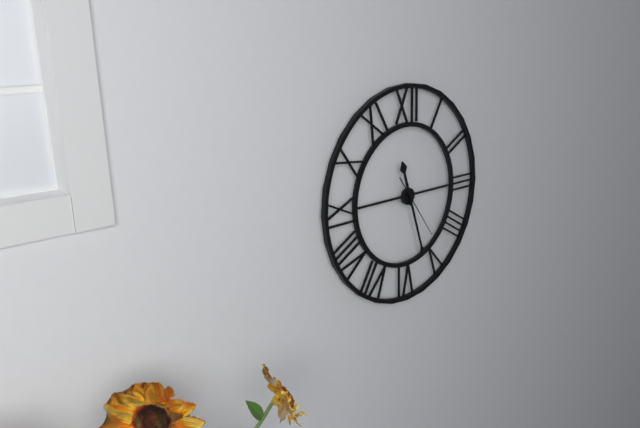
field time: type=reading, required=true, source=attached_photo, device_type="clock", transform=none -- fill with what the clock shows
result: 11:27:24
